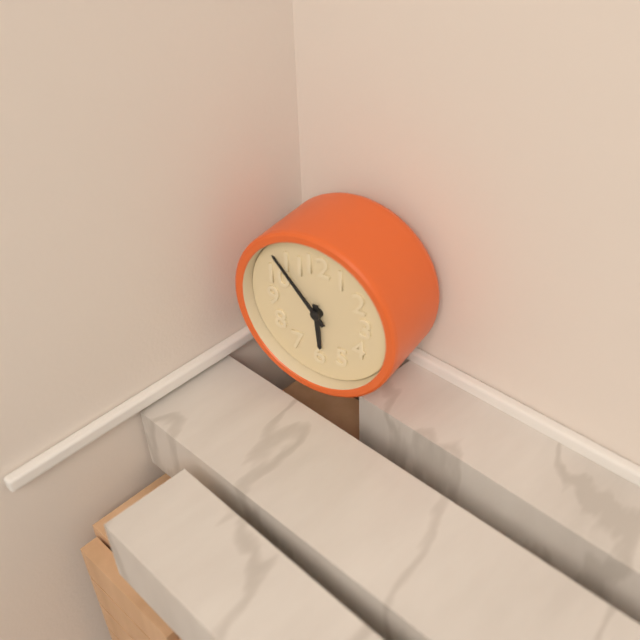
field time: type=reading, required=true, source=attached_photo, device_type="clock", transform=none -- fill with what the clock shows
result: 5:53
